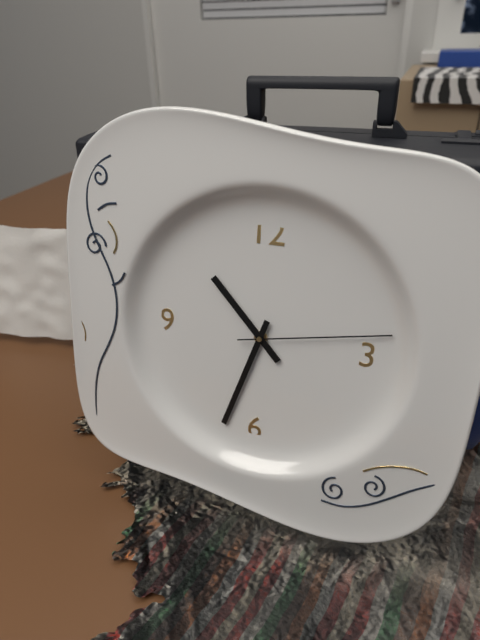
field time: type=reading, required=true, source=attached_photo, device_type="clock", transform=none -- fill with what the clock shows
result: 10:33:13
